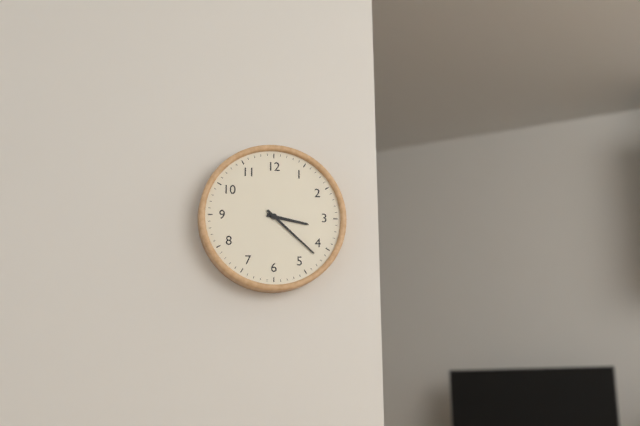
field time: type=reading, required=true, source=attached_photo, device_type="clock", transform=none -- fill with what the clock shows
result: 3:22
